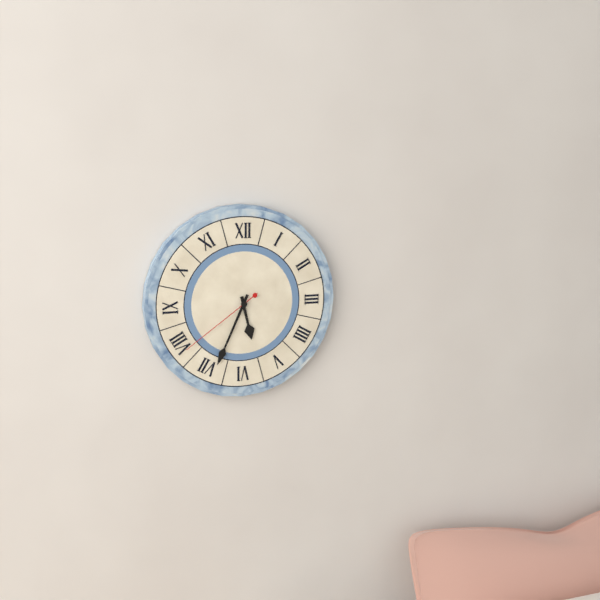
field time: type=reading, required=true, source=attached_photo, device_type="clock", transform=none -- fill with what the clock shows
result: 5:34:39
